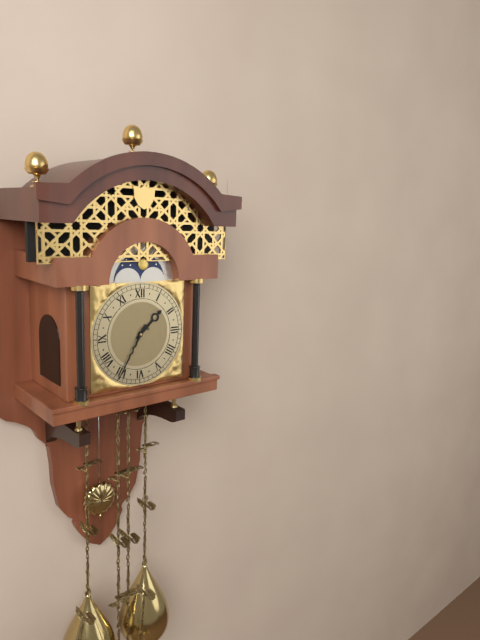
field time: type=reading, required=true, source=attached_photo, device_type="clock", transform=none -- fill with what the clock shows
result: 1:35
